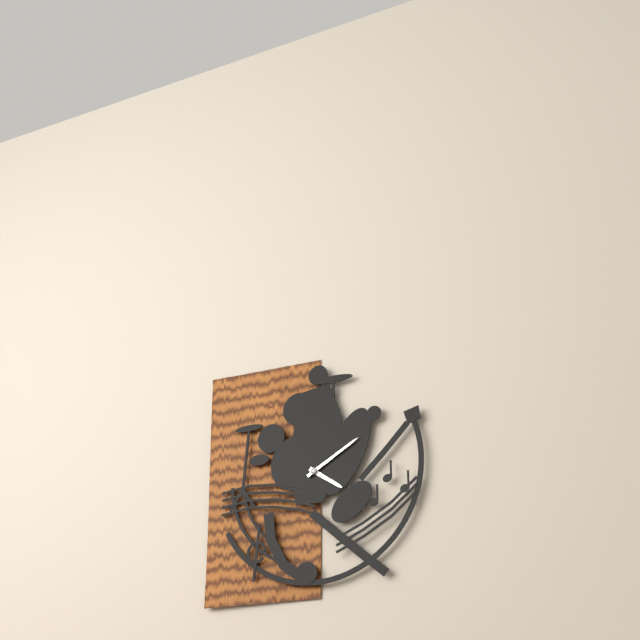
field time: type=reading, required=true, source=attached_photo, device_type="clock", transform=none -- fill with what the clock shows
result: 4:10
